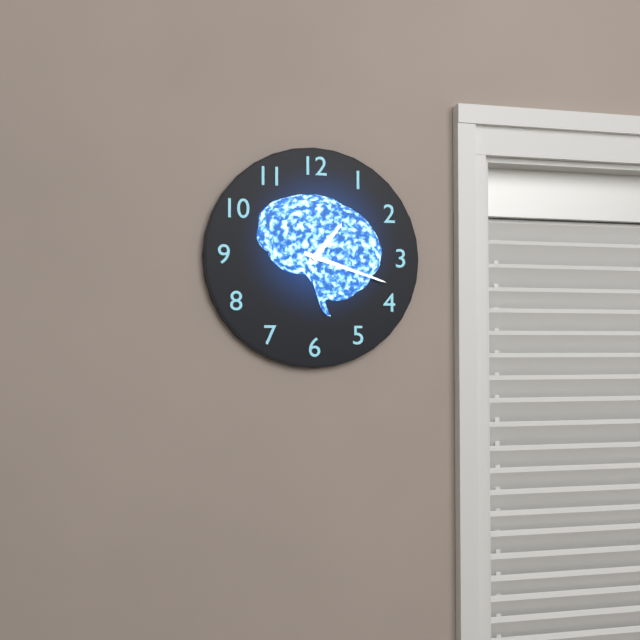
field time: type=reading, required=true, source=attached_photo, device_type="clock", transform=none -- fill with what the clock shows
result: 1:18
